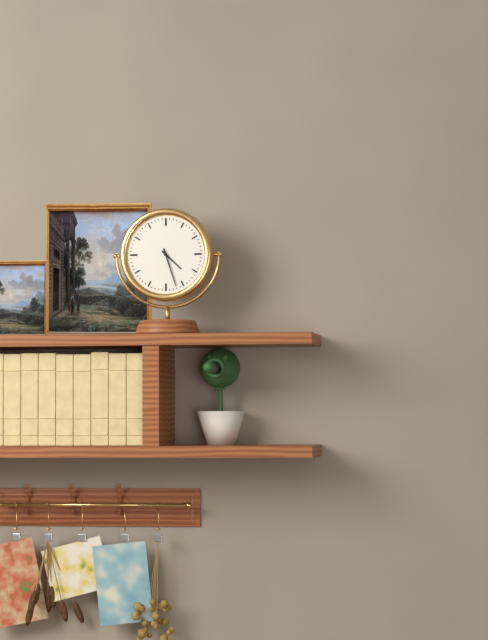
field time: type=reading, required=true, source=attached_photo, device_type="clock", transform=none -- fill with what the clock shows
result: 4:27
